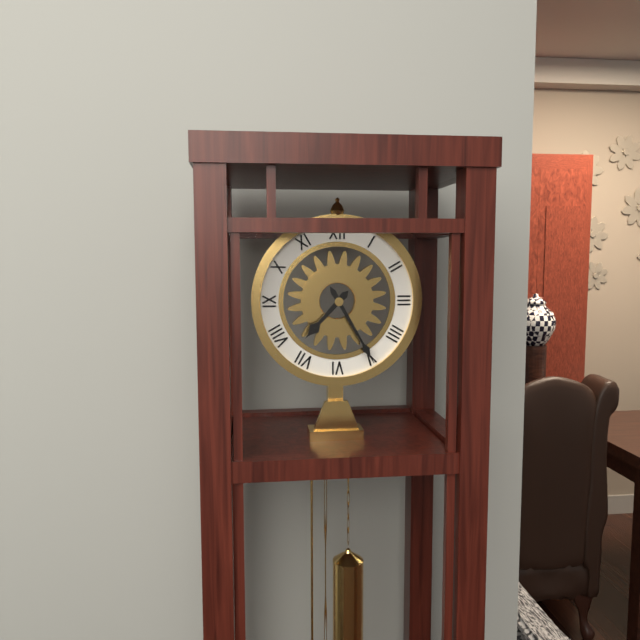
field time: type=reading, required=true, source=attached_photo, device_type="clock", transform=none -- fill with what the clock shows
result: 7:25
